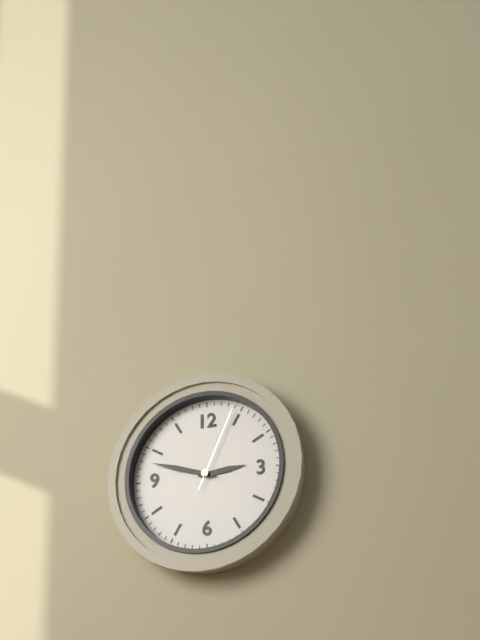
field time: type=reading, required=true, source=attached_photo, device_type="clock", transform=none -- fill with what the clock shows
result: 2:48:04
